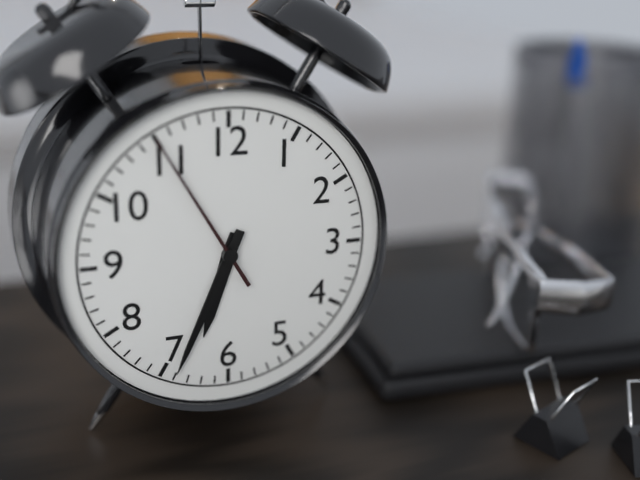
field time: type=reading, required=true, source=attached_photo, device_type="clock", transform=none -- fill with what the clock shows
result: 6:34:55
